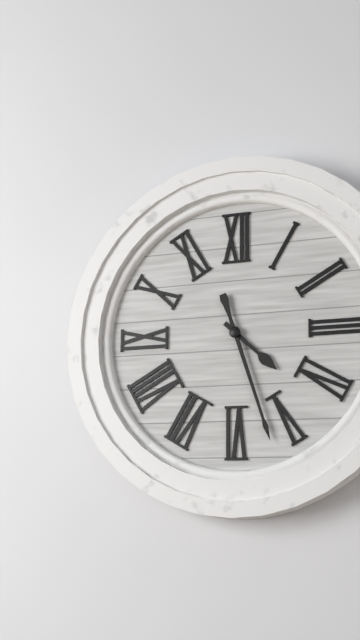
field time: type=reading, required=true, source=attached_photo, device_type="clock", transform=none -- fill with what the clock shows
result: 4:27
